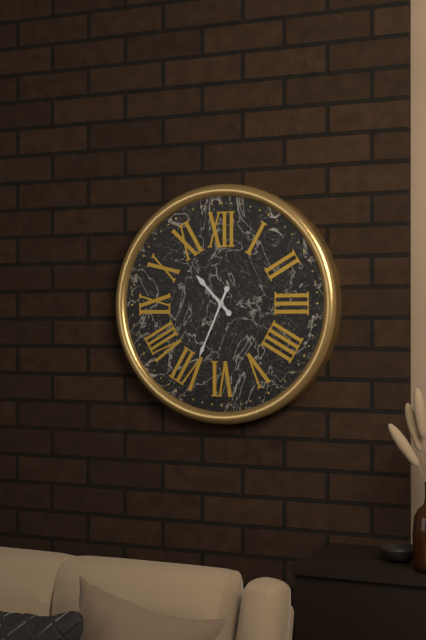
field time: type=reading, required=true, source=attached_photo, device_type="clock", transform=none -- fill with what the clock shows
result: 10:34
